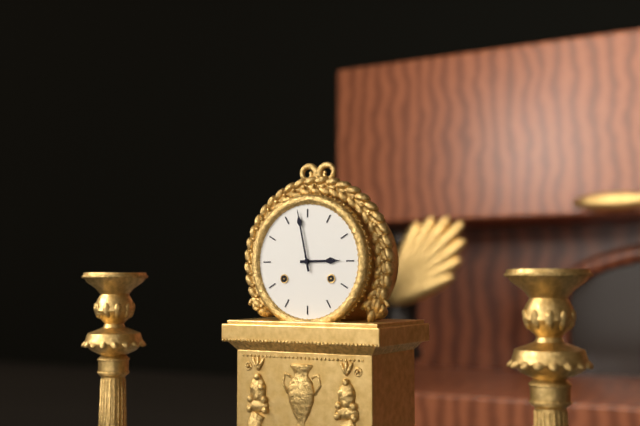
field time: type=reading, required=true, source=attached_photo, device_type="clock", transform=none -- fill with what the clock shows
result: 2:58
